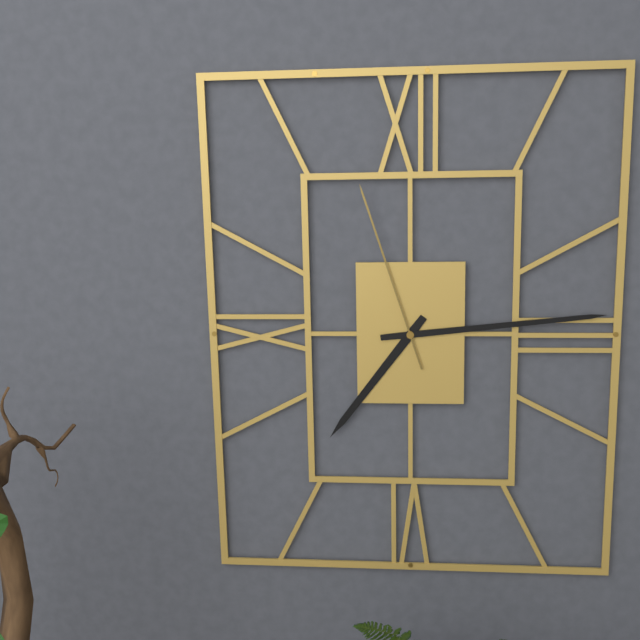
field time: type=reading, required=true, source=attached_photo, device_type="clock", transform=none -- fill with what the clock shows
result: 7:14:57
